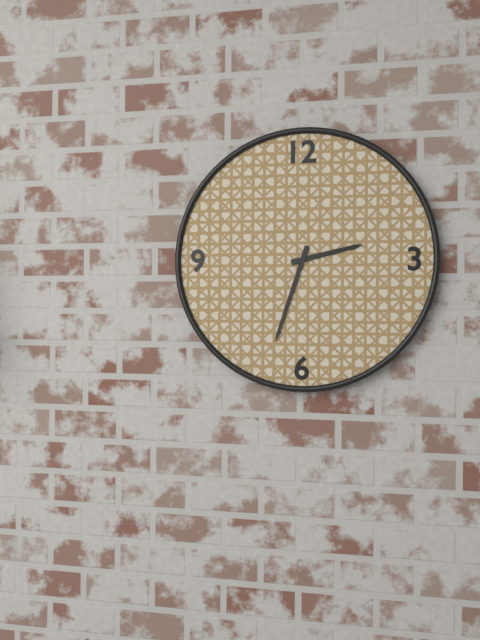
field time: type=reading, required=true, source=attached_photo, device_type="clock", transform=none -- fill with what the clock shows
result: 2:33
